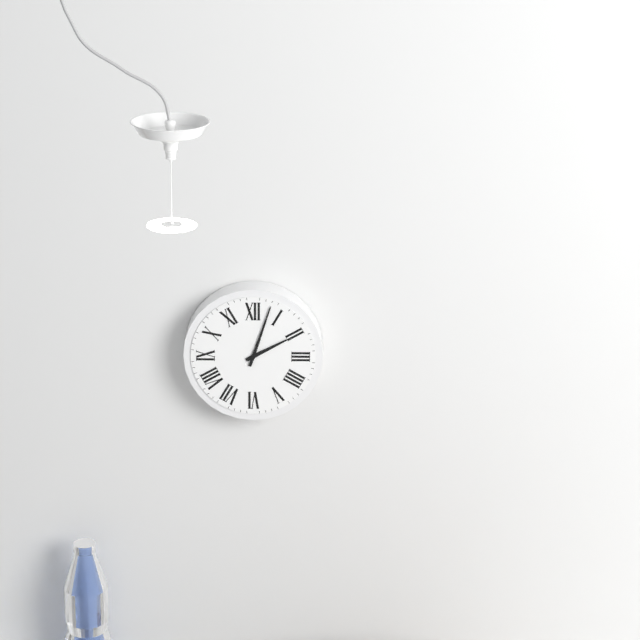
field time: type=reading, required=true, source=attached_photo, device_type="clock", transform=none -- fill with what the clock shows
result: 2:03
